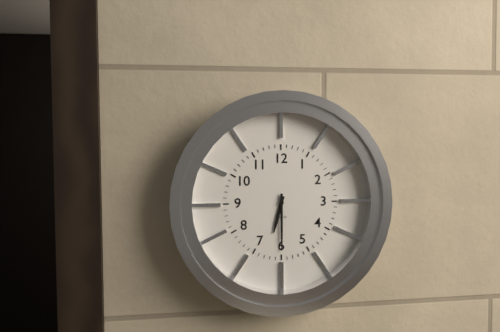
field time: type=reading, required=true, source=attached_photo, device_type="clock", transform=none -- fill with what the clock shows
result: 6:30
